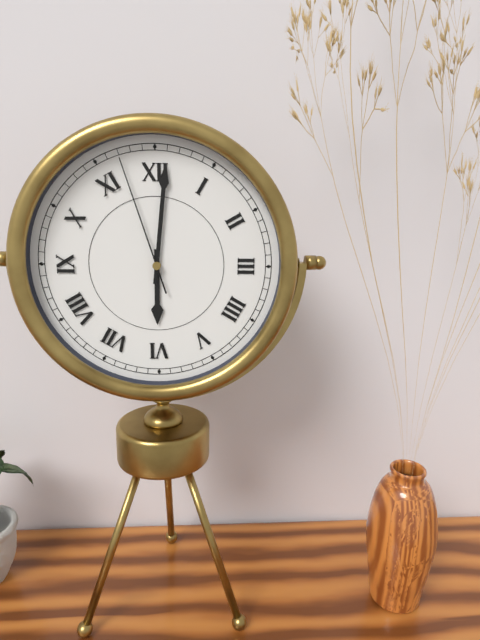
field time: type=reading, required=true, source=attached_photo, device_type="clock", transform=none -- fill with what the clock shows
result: 6:01:57
